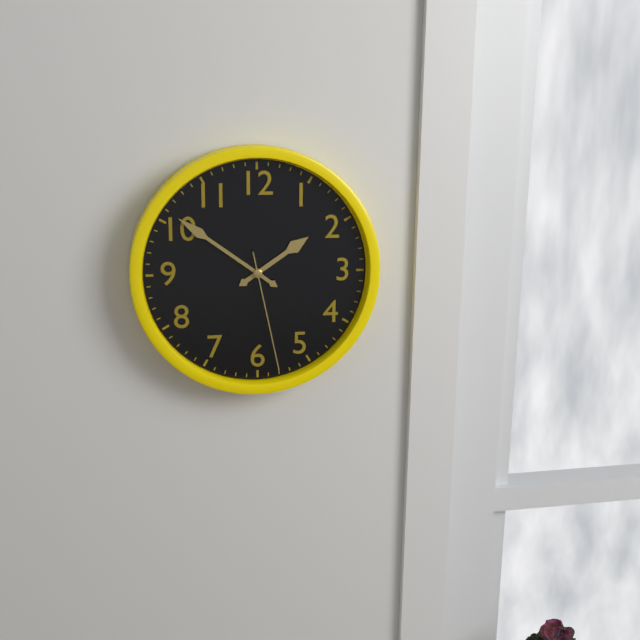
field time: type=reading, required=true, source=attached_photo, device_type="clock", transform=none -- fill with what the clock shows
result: 1:51:28
